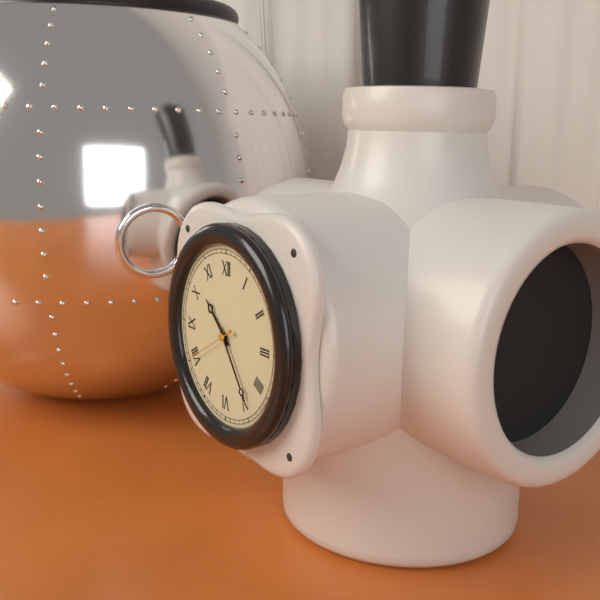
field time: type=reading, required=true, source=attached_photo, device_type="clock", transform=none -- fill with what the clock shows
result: 10:24:40
